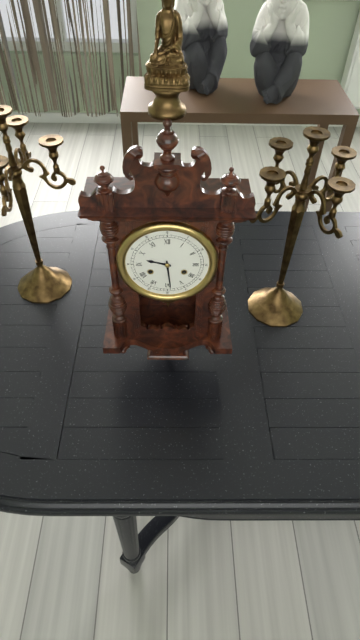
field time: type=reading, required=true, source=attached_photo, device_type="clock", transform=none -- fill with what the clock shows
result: 9:29
